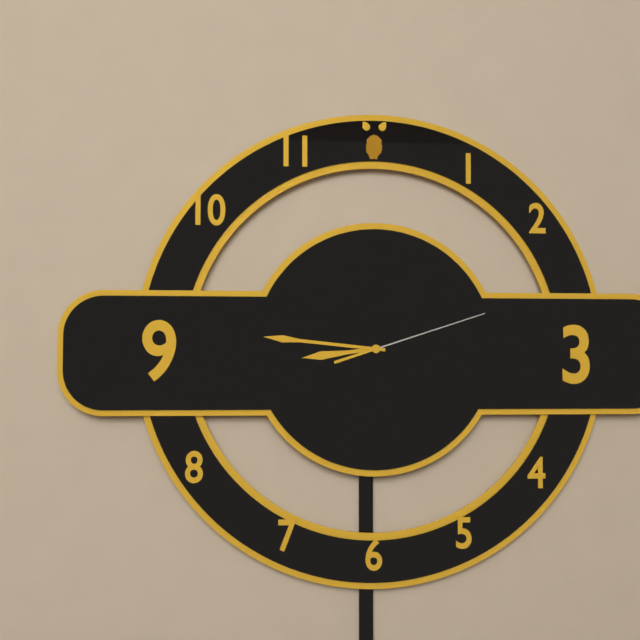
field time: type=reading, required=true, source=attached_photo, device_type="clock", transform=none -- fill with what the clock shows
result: 8:46:12
